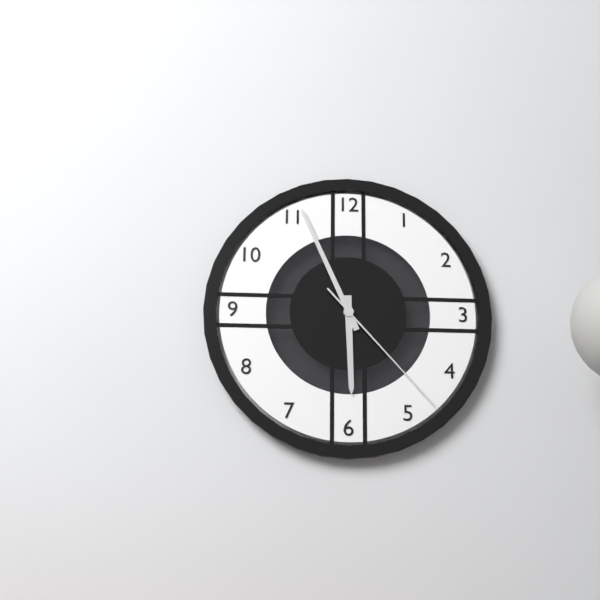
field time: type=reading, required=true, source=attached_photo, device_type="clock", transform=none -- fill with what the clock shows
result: 5:56:23
